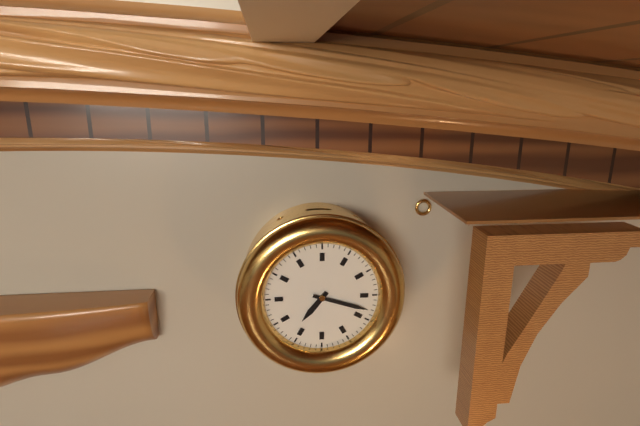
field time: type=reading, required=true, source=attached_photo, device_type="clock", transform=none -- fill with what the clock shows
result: 7:18
